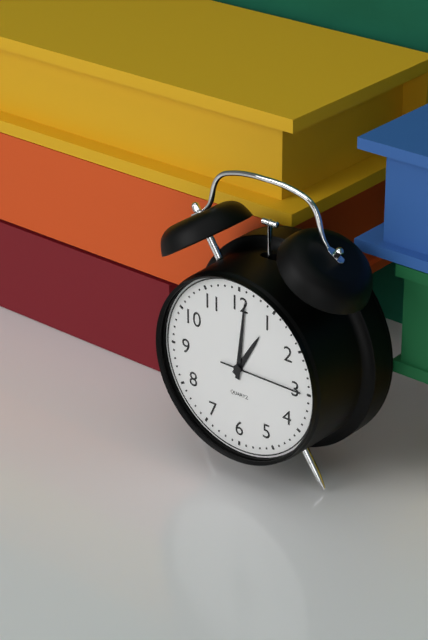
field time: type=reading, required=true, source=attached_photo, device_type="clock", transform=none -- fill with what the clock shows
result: 1:01:15
